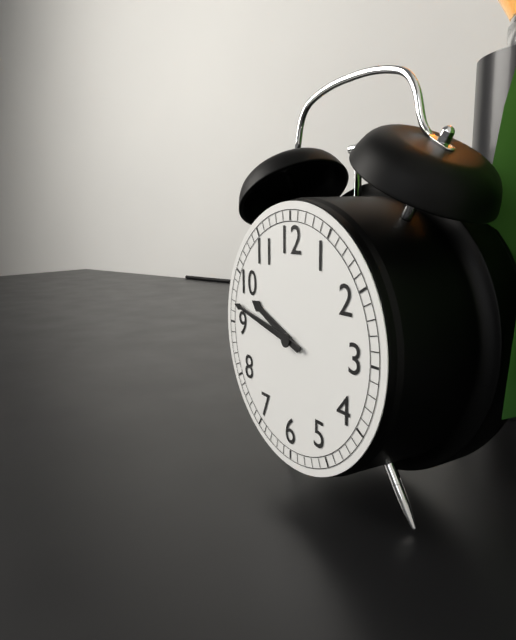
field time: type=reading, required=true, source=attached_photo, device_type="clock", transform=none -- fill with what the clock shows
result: 9:47
